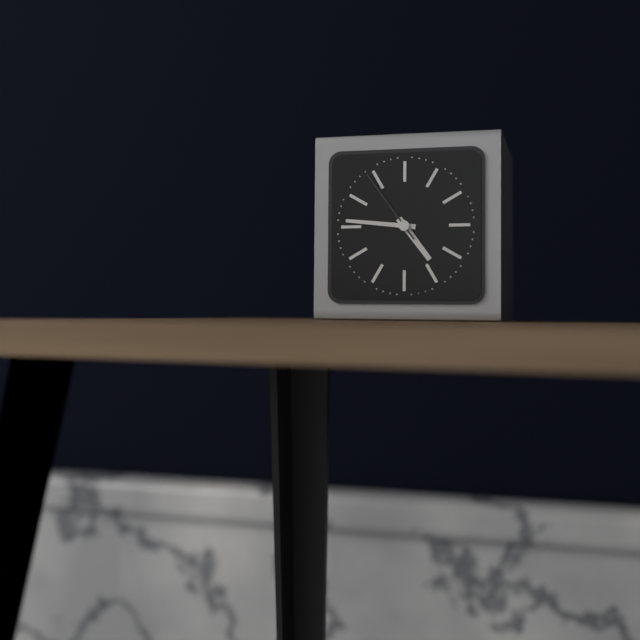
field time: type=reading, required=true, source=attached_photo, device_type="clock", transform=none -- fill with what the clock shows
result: 4:46:54
